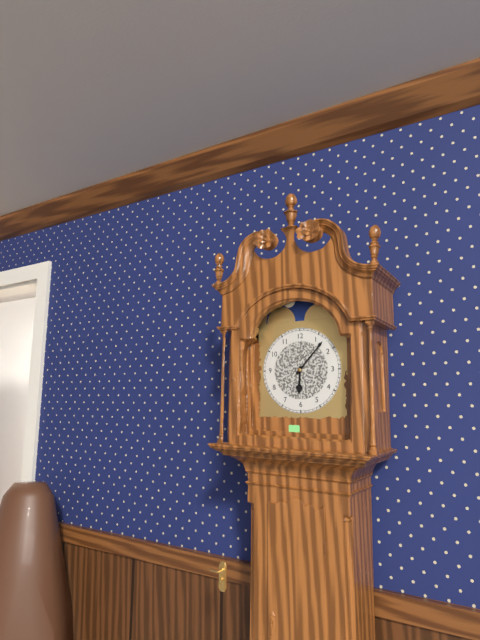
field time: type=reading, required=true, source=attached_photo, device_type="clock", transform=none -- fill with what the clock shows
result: 6:07
